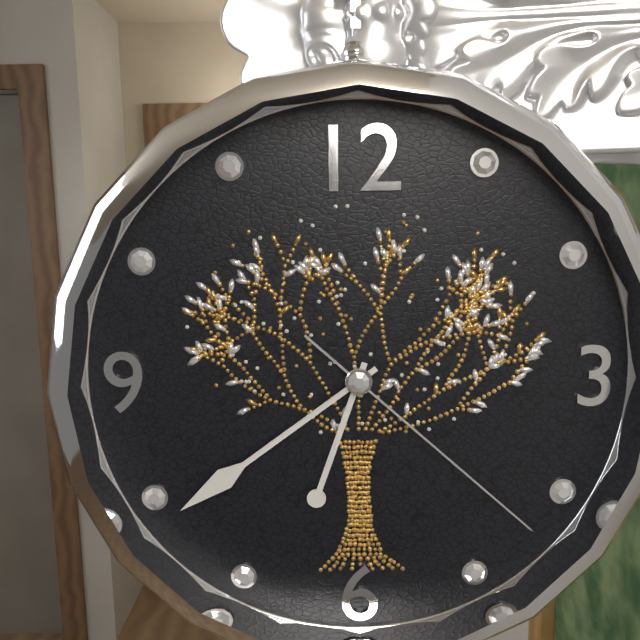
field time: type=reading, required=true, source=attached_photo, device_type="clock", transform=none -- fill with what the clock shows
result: 6:39:22
